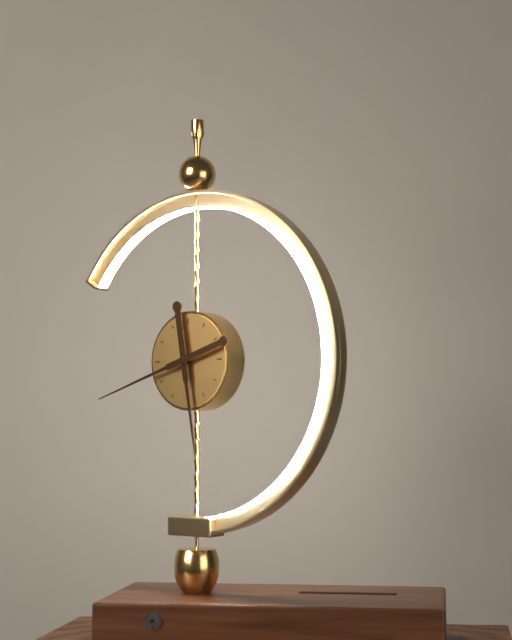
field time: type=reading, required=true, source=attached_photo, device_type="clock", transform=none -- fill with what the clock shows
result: 5:42
